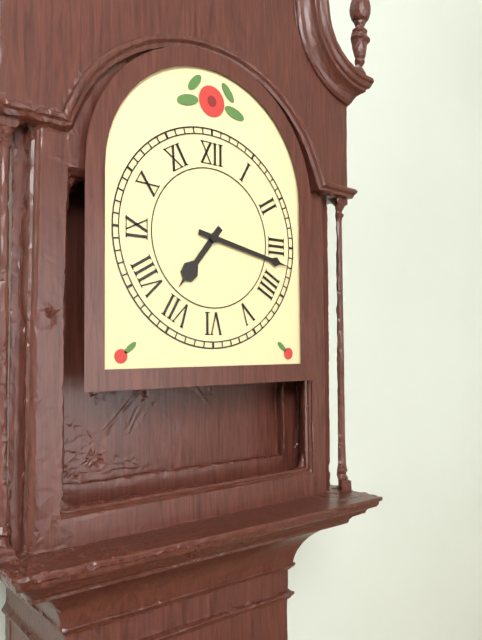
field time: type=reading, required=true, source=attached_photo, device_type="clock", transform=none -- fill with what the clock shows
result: 7:17
